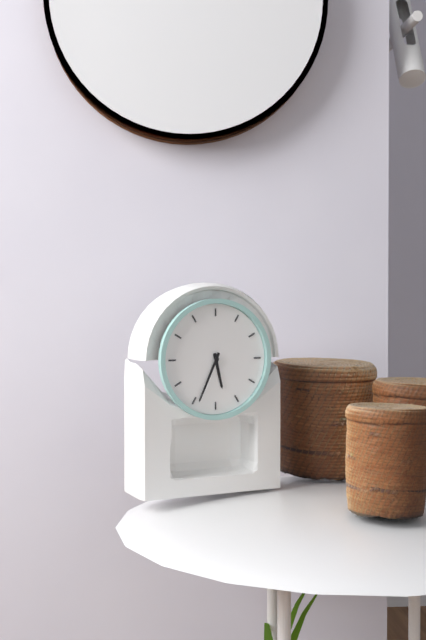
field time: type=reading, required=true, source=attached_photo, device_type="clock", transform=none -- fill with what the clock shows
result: 5:34
